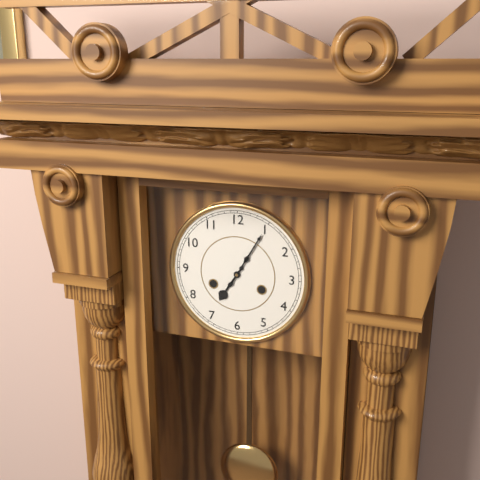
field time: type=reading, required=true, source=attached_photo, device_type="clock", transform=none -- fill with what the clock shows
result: 7:05
